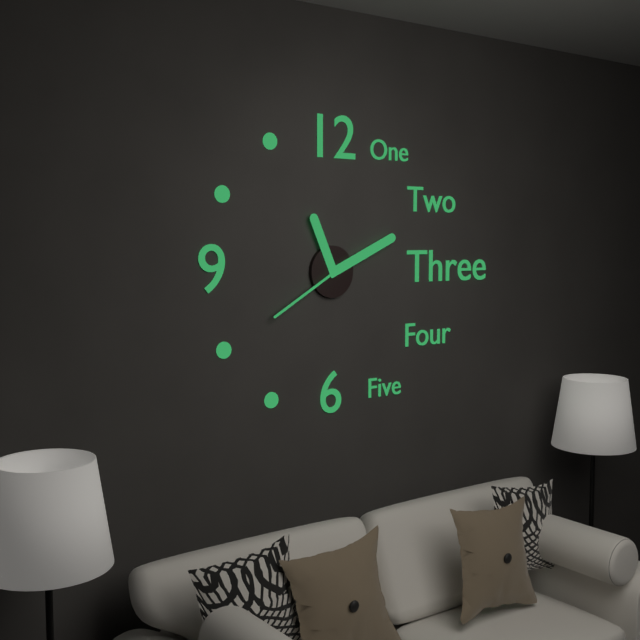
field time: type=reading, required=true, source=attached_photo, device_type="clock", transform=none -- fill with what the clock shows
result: 11:11:40
